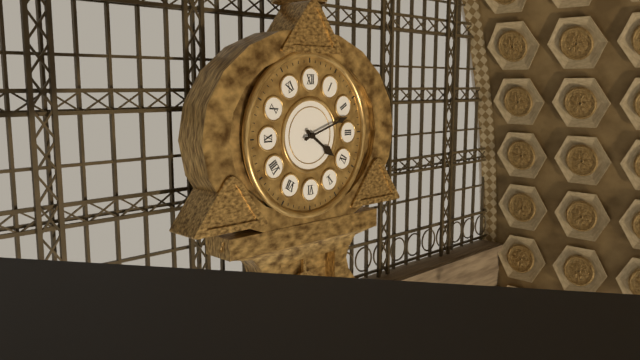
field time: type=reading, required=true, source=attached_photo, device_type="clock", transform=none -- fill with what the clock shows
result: 4:12
